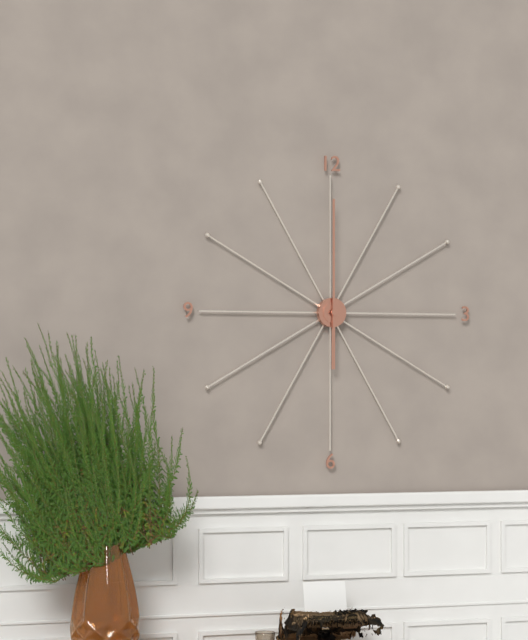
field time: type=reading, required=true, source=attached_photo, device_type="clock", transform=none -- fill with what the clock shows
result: 6:00
